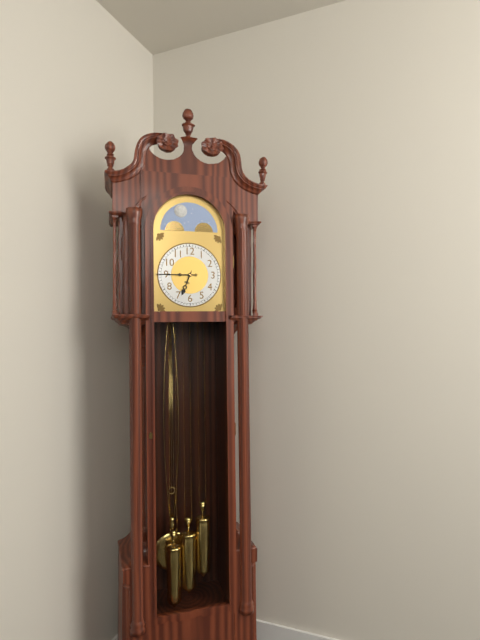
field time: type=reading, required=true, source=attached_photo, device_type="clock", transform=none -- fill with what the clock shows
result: 6:45
